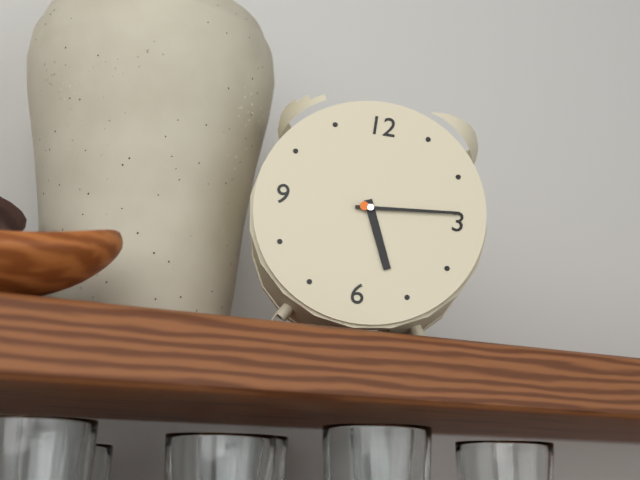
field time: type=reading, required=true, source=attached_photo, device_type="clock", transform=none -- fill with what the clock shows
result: 5:14
